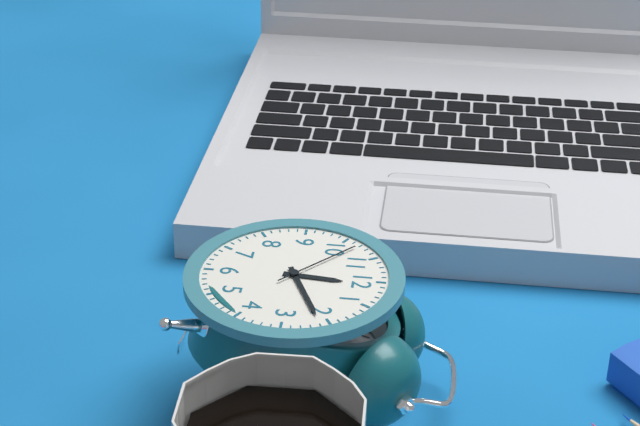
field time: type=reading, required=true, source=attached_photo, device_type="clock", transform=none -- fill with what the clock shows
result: 12:11:52
